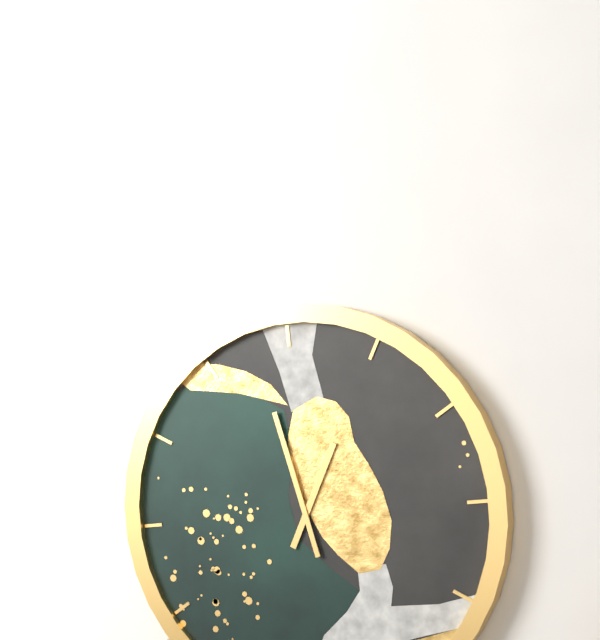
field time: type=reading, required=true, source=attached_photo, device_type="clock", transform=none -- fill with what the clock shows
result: 12:58
